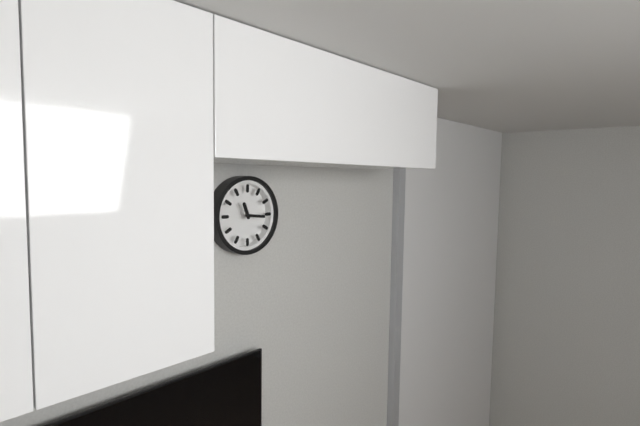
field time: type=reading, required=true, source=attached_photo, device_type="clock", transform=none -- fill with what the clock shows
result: 11:16
